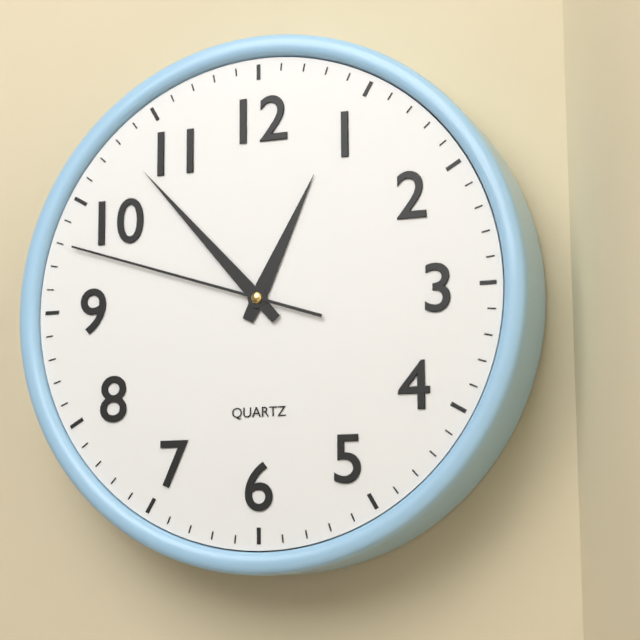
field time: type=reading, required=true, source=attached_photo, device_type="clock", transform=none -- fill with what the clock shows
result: 12:53:48
